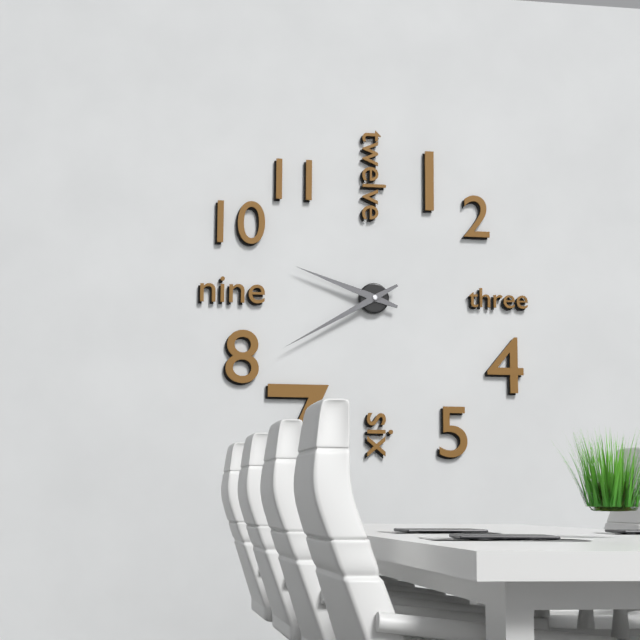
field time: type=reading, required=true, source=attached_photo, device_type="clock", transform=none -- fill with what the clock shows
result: 9:40
